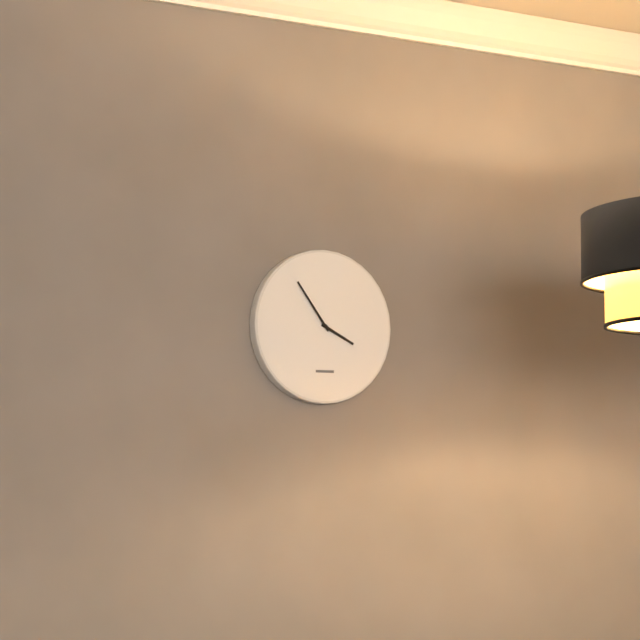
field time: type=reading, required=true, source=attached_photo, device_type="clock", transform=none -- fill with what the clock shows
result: 3:54
